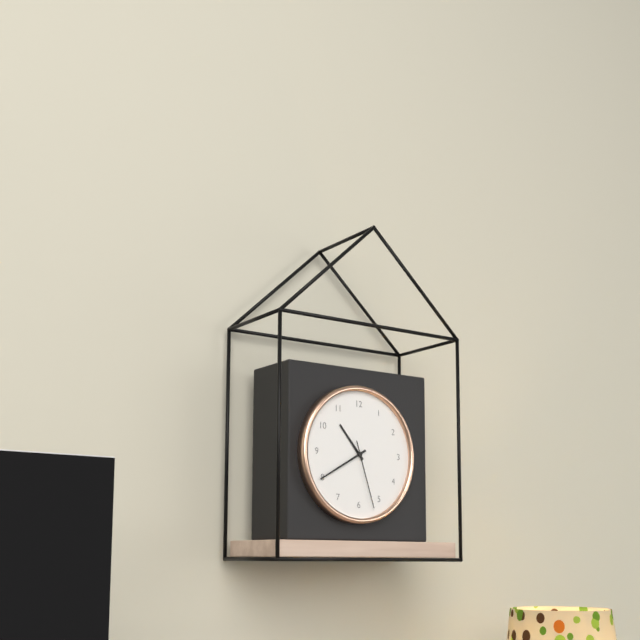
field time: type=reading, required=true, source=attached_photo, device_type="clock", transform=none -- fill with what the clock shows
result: 10:40:27
